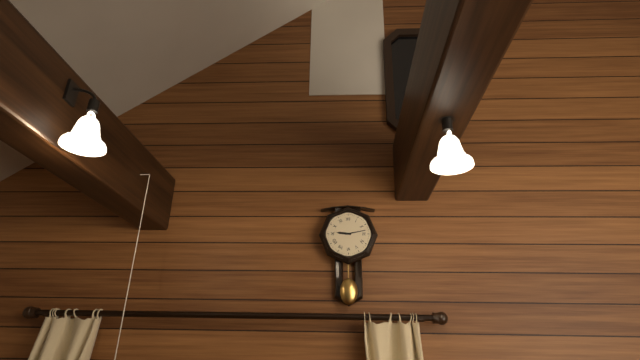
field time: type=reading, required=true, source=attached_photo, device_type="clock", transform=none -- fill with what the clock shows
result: 9:13
